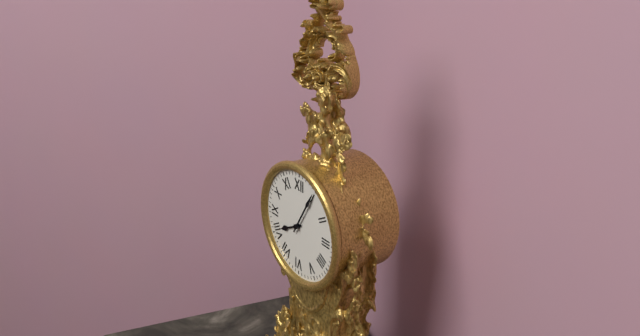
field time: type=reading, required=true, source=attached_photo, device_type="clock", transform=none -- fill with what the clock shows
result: 8:05
